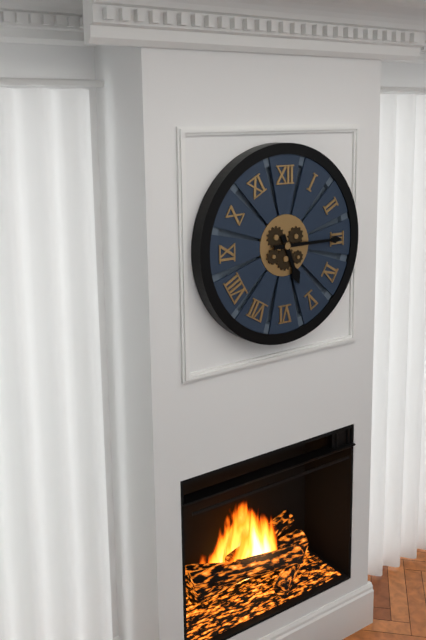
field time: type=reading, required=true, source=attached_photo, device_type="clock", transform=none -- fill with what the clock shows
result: 5:15
